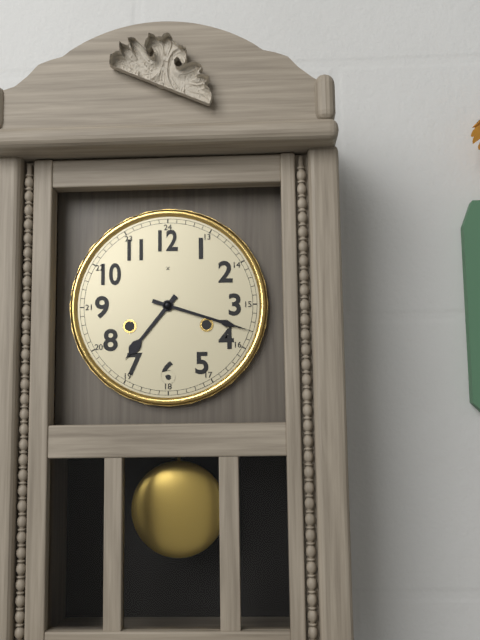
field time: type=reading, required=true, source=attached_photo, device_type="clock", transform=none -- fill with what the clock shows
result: 7:18
